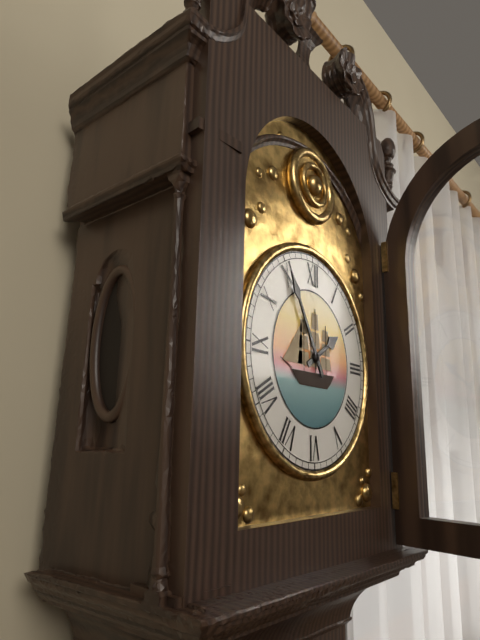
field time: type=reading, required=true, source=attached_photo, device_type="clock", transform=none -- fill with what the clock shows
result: 1:55
